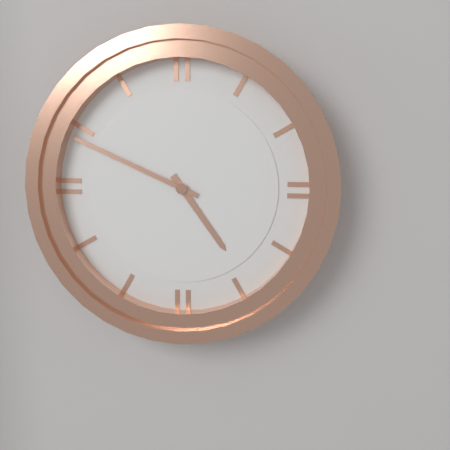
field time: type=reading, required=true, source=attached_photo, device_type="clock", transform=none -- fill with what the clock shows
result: 4:49
